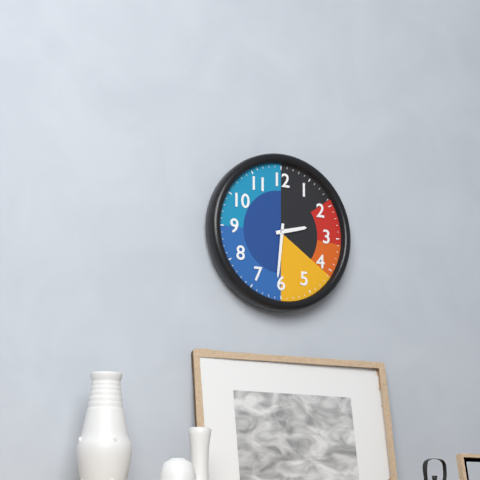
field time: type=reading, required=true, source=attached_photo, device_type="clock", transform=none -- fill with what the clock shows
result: 2:31
